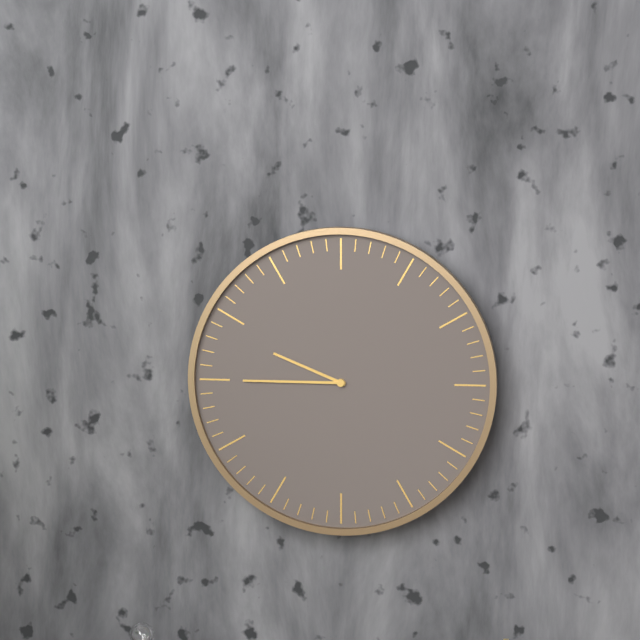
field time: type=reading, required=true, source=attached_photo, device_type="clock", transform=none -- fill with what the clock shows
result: 9:45
